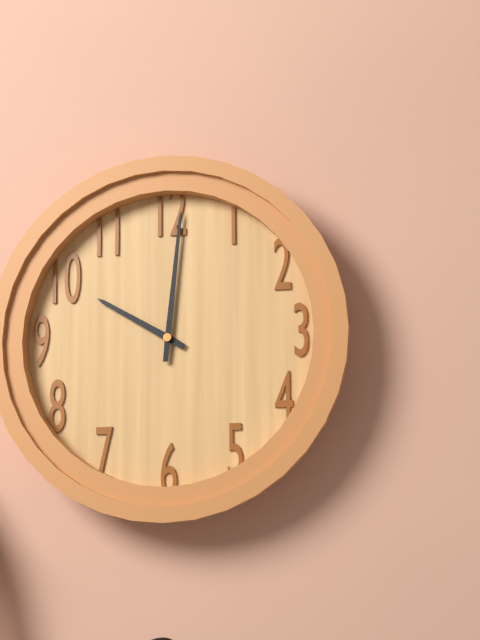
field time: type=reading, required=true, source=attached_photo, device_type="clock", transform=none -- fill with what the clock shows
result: 10:01
